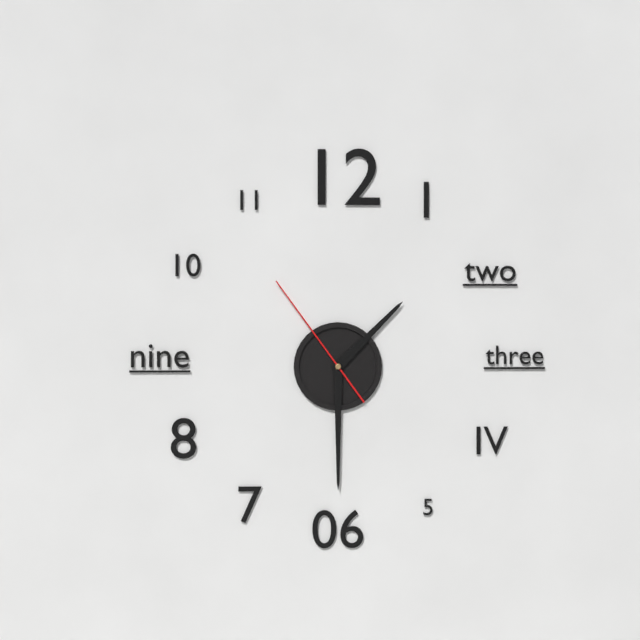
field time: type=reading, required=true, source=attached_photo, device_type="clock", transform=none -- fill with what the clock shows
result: 1:30:54
